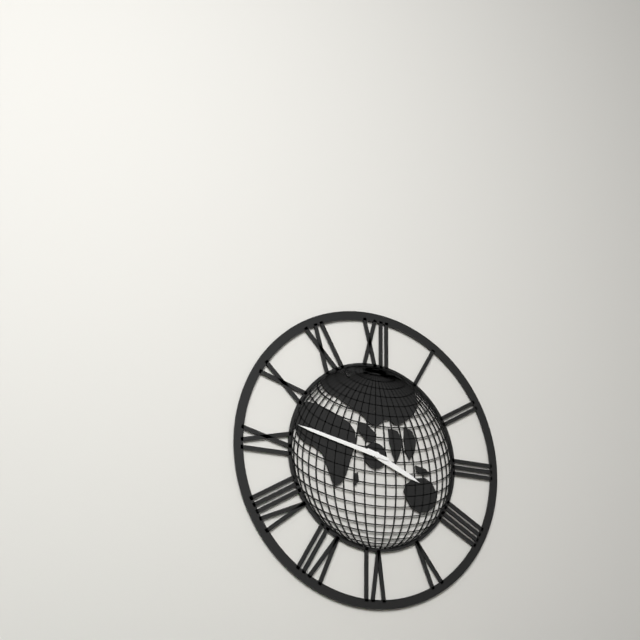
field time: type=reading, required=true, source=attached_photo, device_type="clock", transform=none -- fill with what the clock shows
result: 3:47
